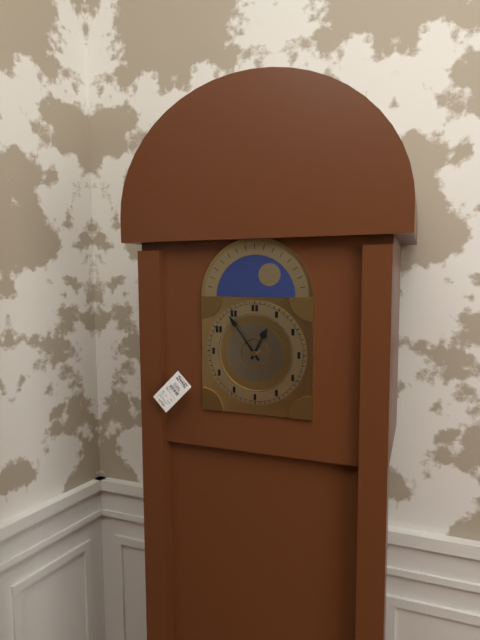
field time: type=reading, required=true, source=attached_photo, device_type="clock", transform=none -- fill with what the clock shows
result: 12:54
